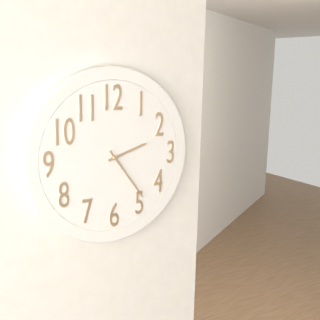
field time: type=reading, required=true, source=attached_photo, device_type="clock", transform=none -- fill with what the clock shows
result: 2:24
